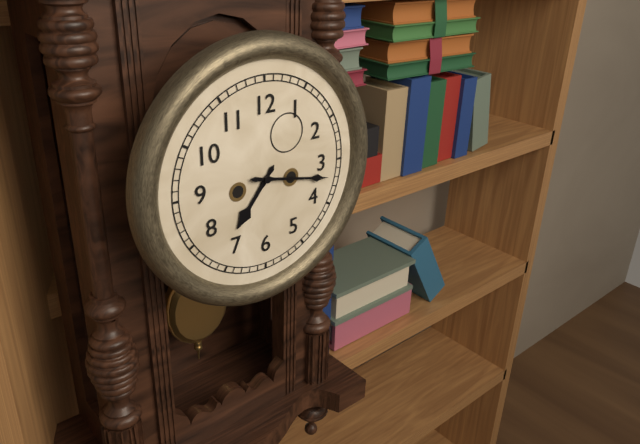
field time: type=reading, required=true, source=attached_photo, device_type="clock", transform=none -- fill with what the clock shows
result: 7:17
